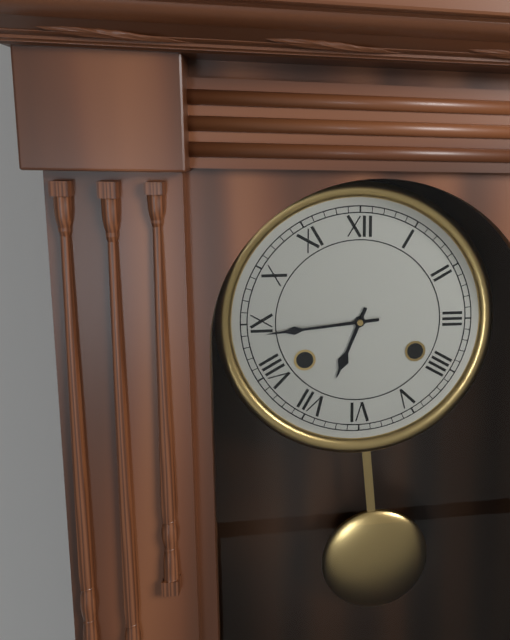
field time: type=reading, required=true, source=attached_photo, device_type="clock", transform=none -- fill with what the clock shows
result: 6:44
